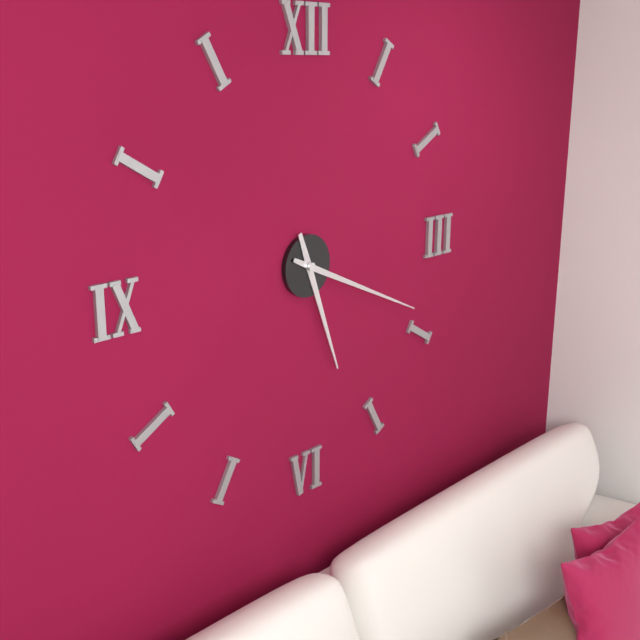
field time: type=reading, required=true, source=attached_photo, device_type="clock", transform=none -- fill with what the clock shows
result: 5:19
